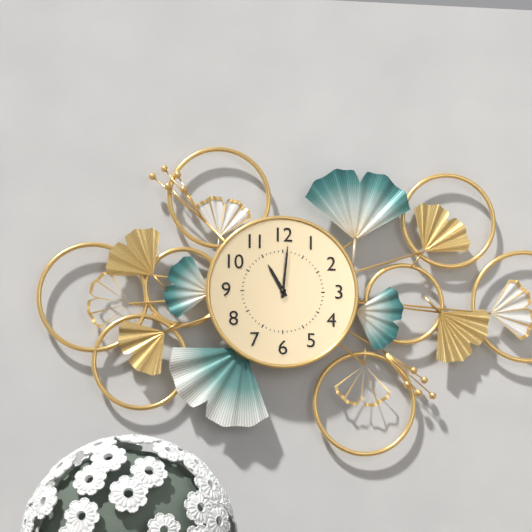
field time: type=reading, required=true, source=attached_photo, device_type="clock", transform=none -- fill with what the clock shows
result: 11:01
